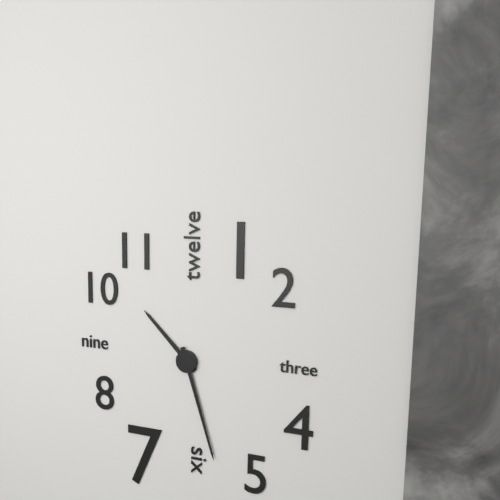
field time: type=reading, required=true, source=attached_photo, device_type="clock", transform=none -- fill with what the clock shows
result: 10:27
